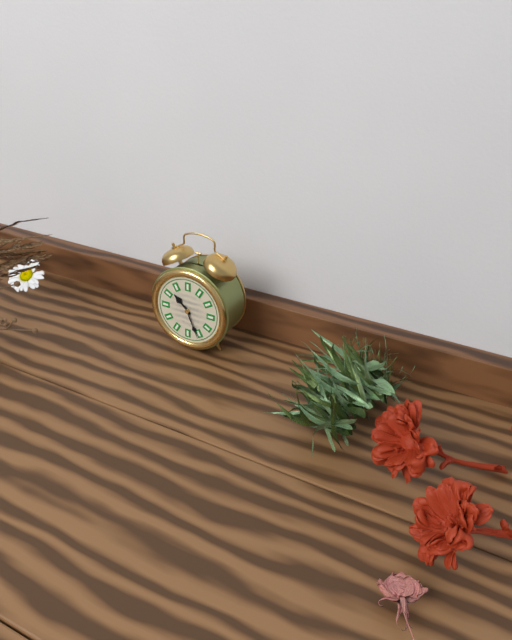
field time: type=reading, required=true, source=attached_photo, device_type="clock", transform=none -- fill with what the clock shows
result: 10:26
